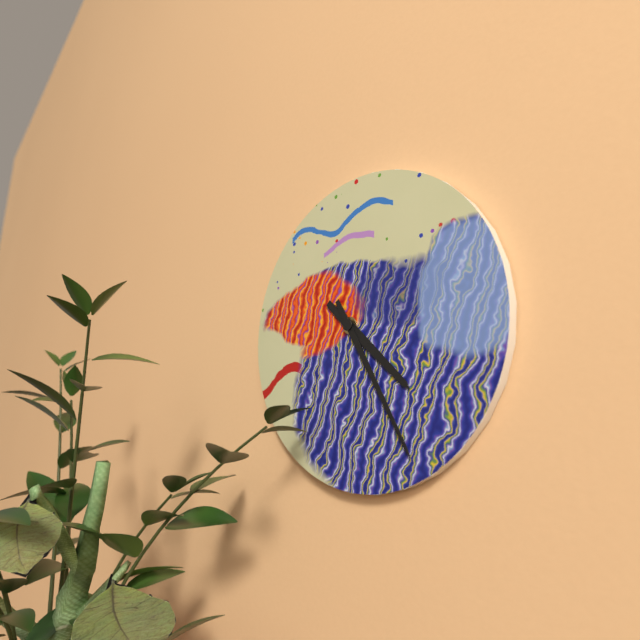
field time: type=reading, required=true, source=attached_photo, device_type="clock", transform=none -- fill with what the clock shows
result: 4:25
